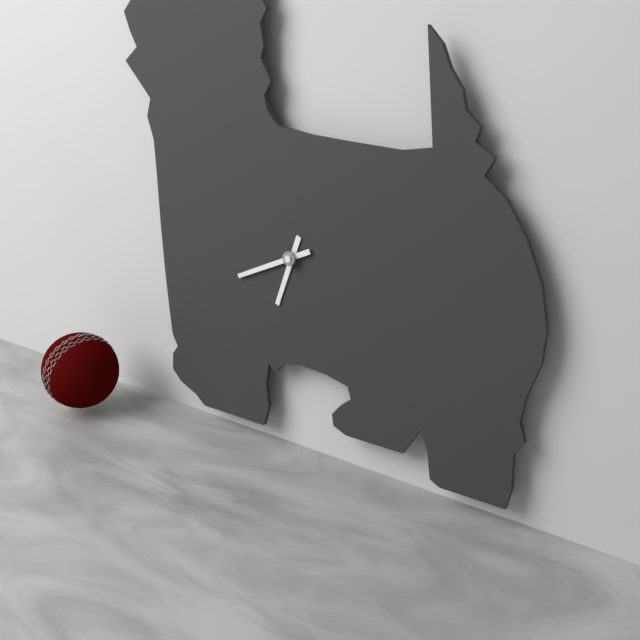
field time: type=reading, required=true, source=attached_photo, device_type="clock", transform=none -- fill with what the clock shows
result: 6:41
